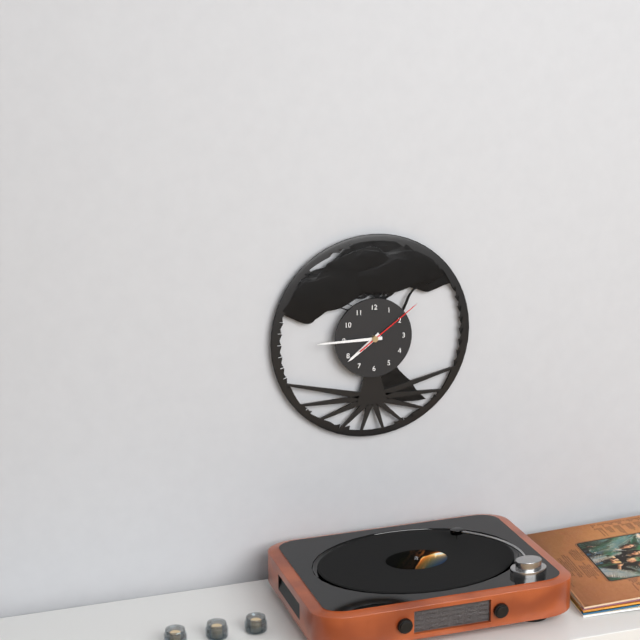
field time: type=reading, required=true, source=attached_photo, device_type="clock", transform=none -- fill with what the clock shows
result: 7:45:09
